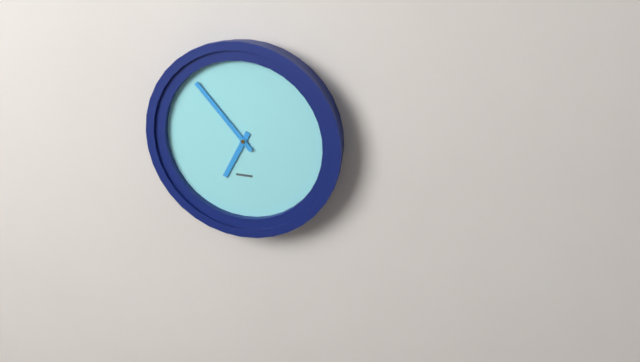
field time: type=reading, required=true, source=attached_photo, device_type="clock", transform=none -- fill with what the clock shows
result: 6:53
